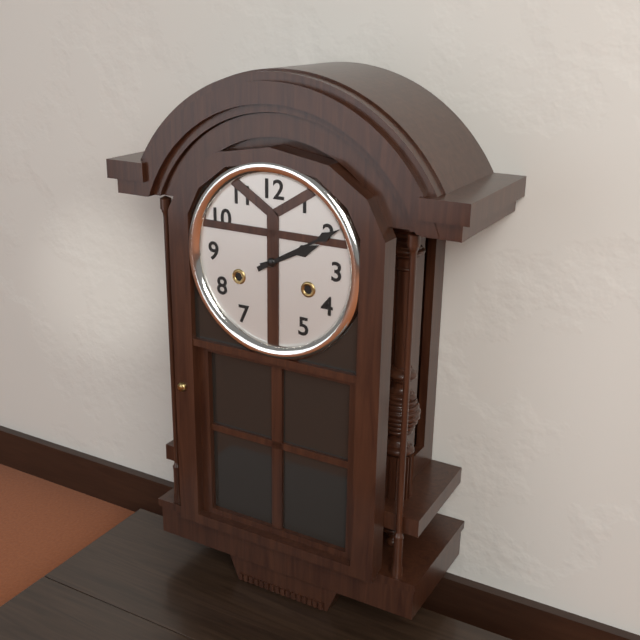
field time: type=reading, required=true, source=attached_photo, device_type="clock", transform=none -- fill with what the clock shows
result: 2:10
